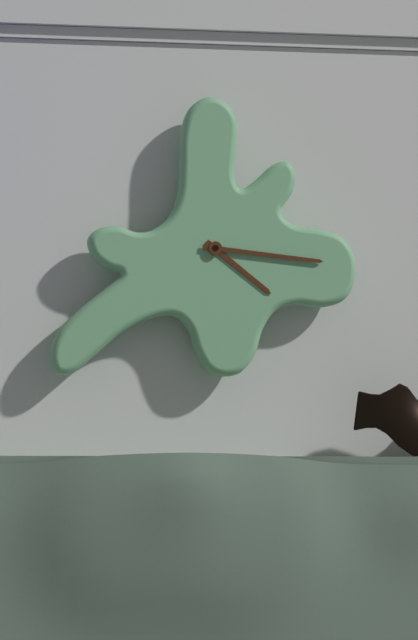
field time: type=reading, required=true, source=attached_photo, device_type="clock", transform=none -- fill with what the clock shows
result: 4:16
